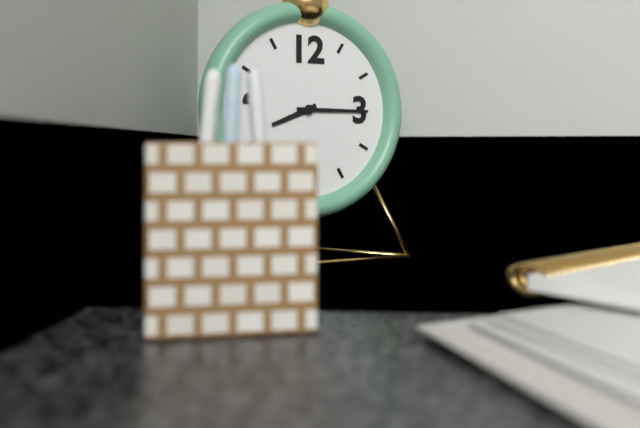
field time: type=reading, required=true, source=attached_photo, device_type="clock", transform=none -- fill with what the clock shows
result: 8:15
